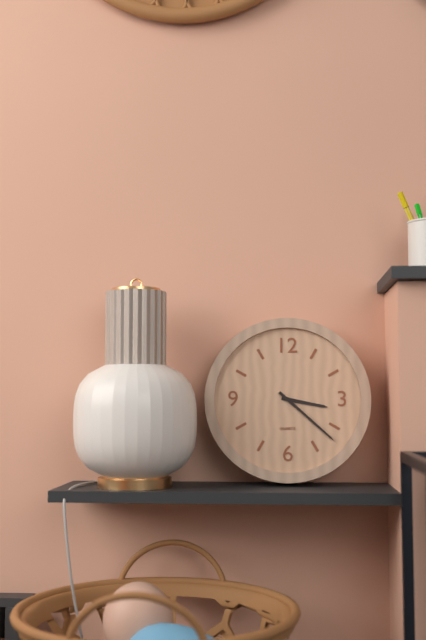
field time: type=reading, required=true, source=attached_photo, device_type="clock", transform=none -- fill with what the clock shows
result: 3:22
